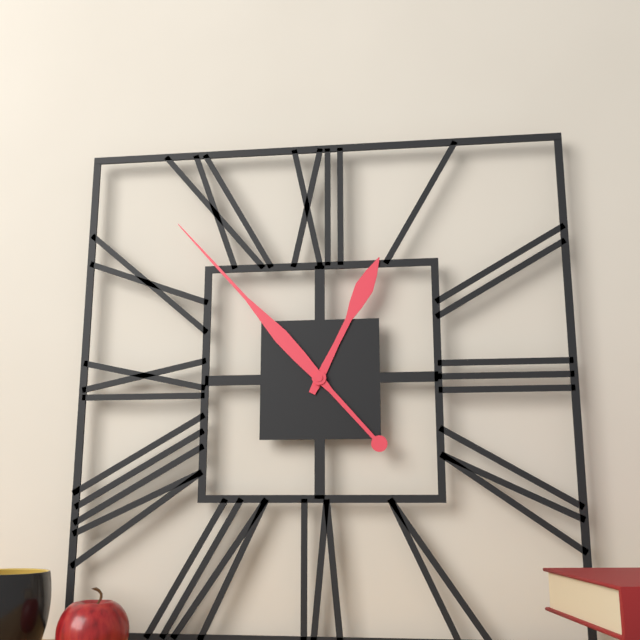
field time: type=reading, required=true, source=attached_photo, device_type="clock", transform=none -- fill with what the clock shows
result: 12:53
